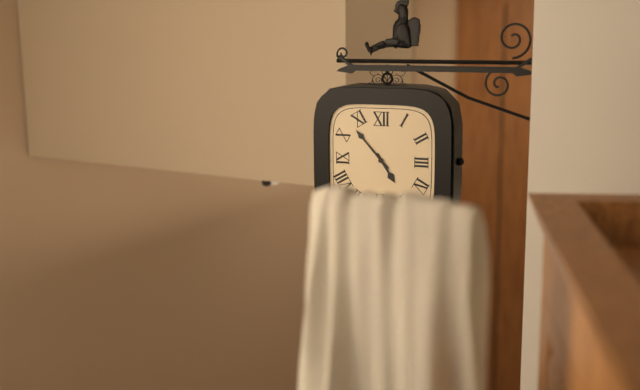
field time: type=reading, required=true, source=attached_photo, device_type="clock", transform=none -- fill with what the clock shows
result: 4:53
